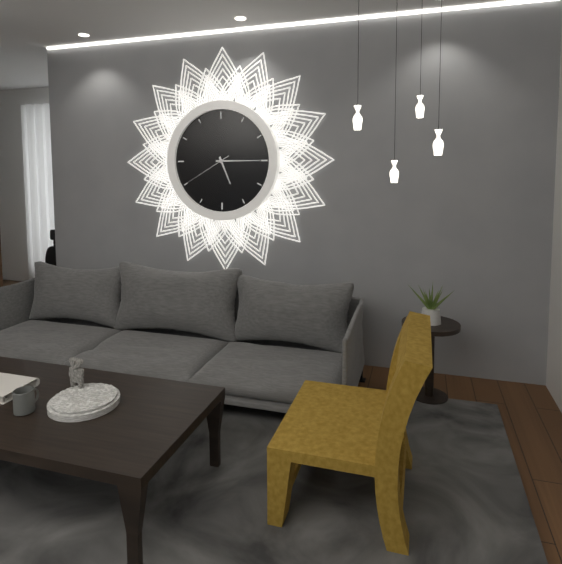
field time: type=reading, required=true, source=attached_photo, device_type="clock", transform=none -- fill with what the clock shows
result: 5:15:40
